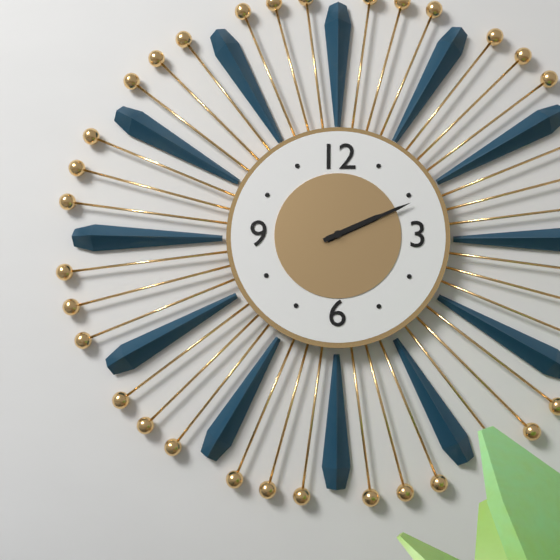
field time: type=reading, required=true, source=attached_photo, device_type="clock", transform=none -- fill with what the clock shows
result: 2:11
